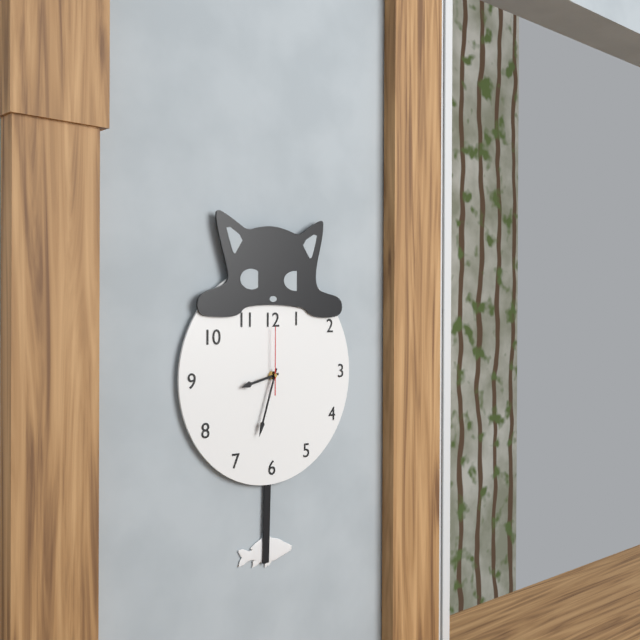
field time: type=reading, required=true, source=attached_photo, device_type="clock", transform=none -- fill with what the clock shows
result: 8:33:00
